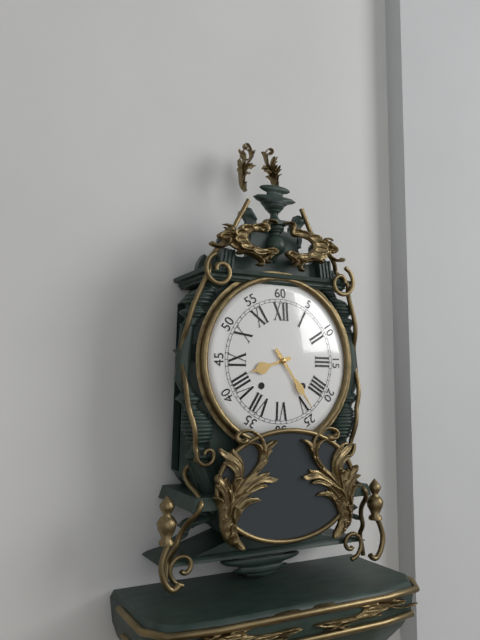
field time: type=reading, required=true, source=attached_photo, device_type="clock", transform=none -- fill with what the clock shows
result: 8:24
